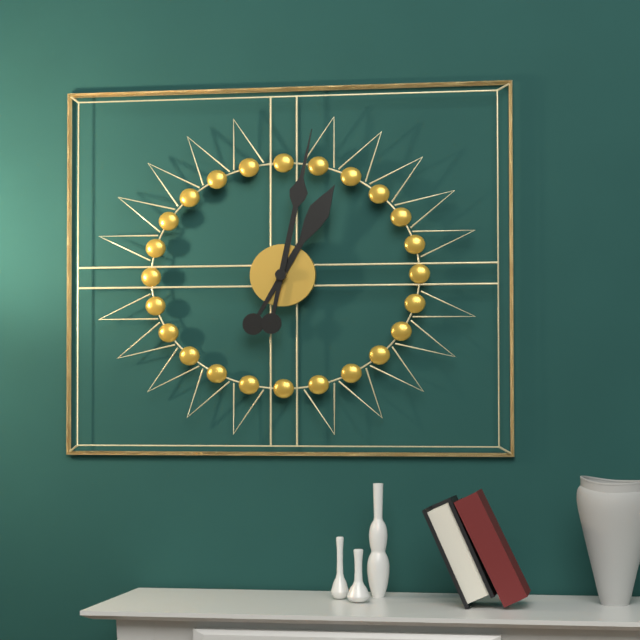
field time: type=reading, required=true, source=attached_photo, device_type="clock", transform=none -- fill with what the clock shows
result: 1:02
